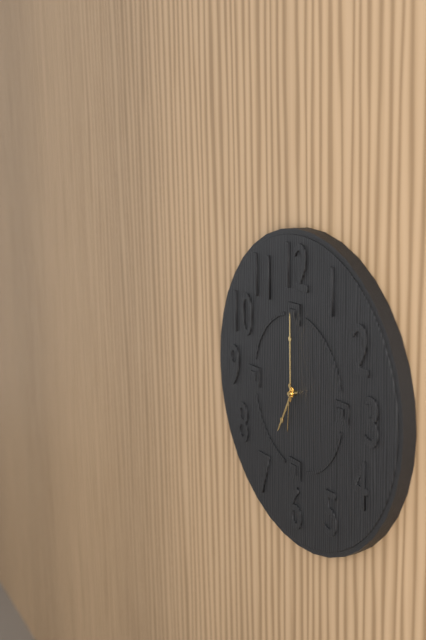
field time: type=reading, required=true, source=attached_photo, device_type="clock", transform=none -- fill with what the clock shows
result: 7:00
